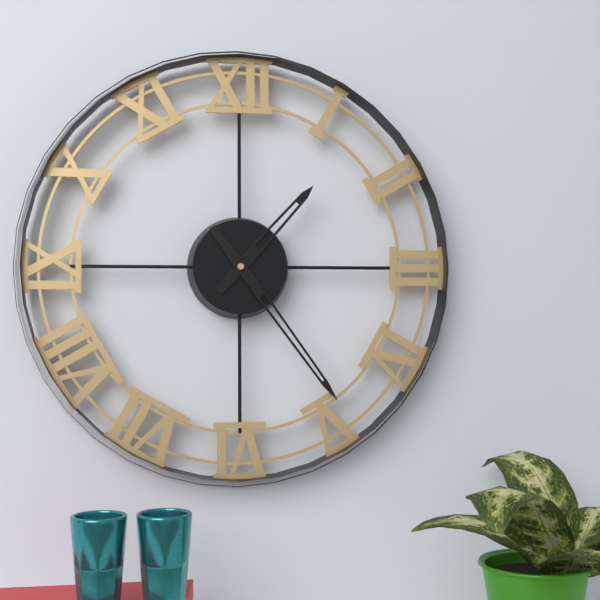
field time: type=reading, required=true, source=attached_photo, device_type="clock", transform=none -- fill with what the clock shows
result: 1:24
